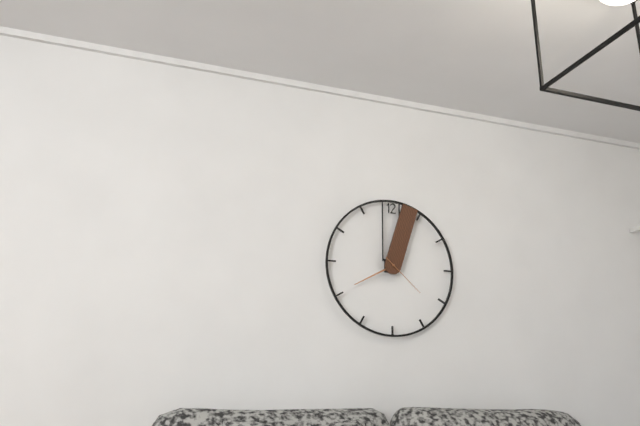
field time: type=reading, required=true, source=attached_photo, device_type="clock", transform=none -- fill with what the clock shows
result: 8:03
